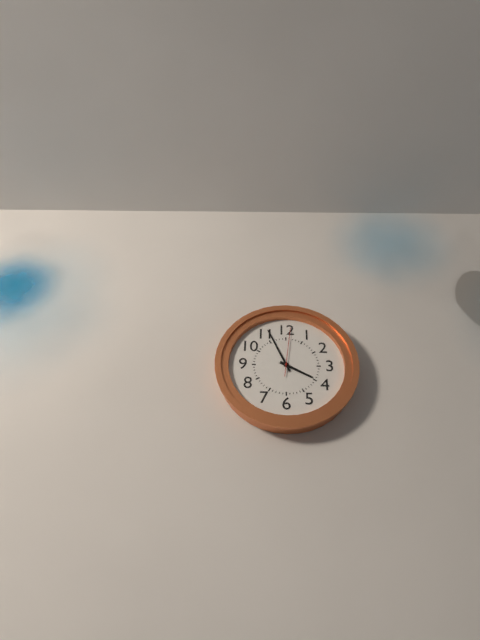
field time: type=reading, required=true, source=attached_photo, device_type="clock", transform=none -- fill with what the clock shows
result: 3:56
